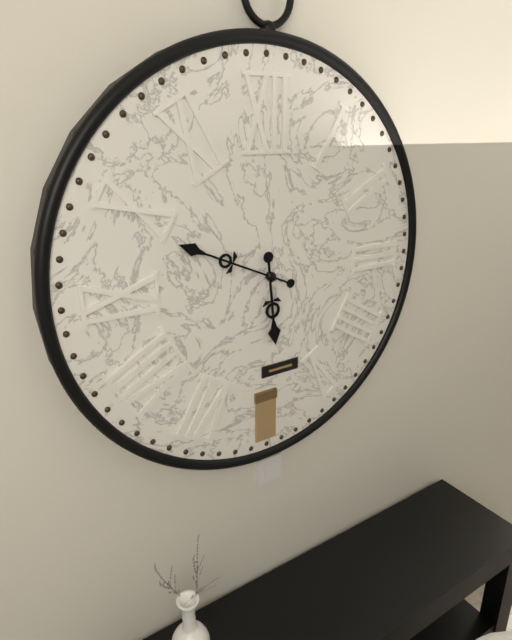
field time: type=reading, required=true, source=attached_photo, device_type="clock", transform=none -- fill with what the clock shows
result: 5:49
